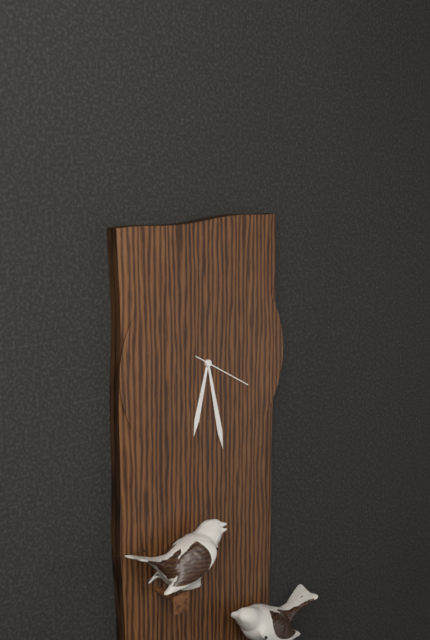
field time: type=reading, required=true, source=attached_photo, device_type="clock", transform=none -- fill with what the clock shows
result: 6:28:20
